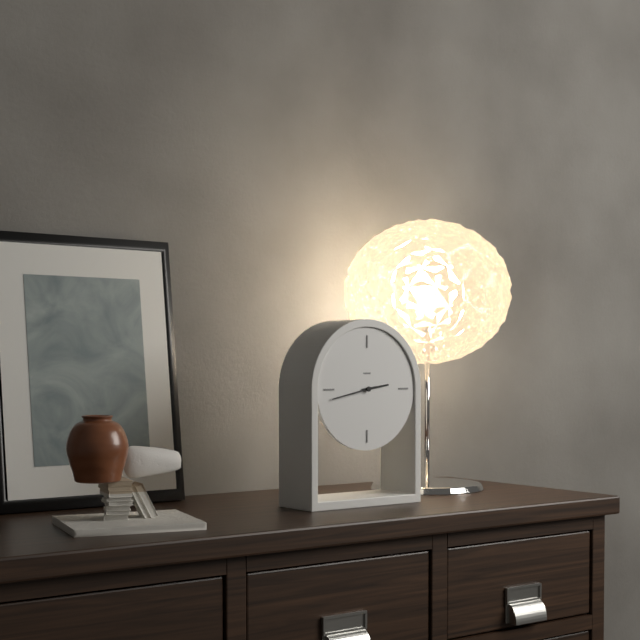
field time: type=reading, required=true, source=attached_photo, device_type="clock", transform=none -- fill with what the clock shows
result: 2:43
